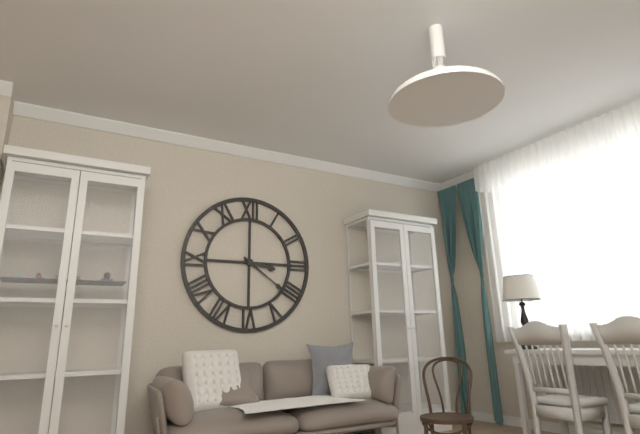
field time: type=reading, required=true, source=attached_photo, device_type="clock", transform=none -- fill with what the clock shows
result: 3:21
